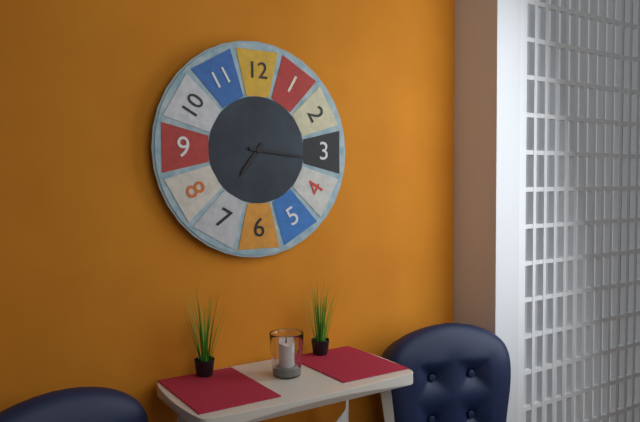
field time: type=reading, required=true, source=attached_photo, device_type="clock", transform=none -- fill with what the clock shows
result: 7:16
